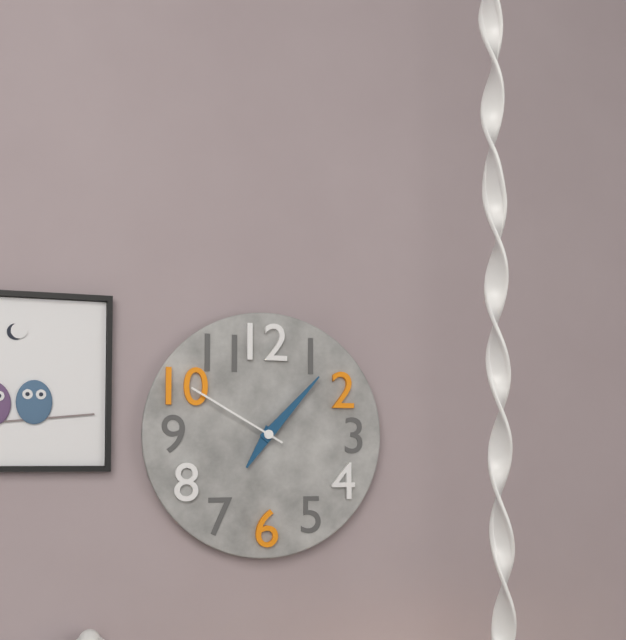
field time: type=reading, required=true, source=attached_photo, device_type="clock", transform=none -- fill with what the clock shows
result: 7:07:50
